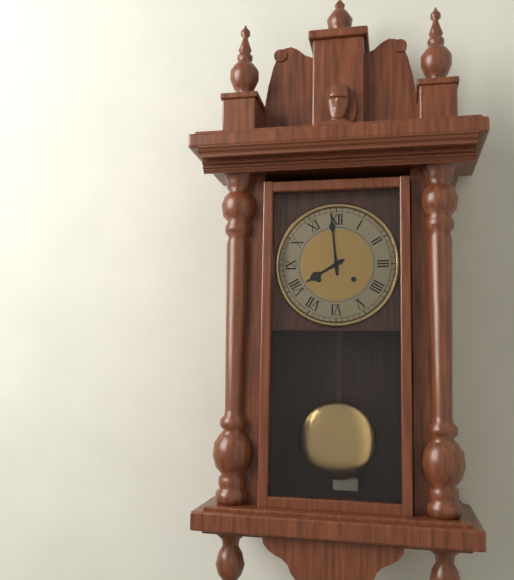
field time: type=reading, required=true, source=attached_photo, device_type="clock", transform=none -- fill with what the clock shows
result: 7:59
